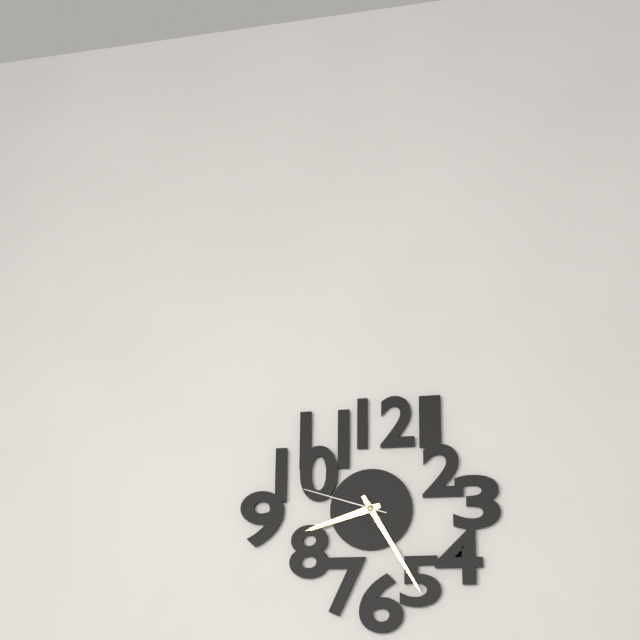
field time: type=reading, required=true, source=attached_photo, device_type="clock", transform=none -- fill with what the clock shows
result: 8:25:48
